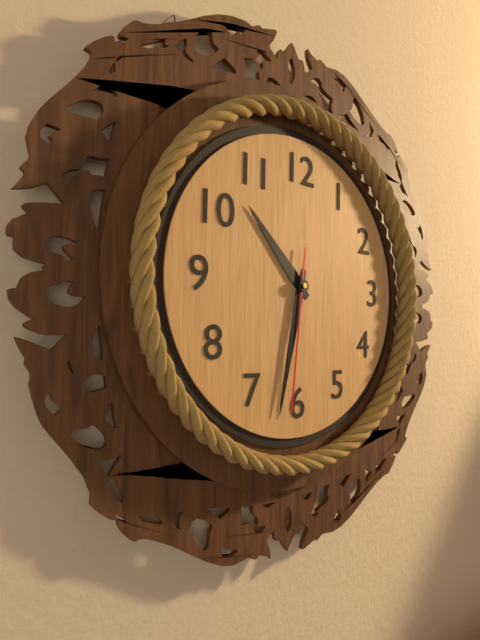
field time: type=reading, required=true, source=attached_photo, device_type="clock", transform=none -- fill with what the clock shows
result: 10:32:31
